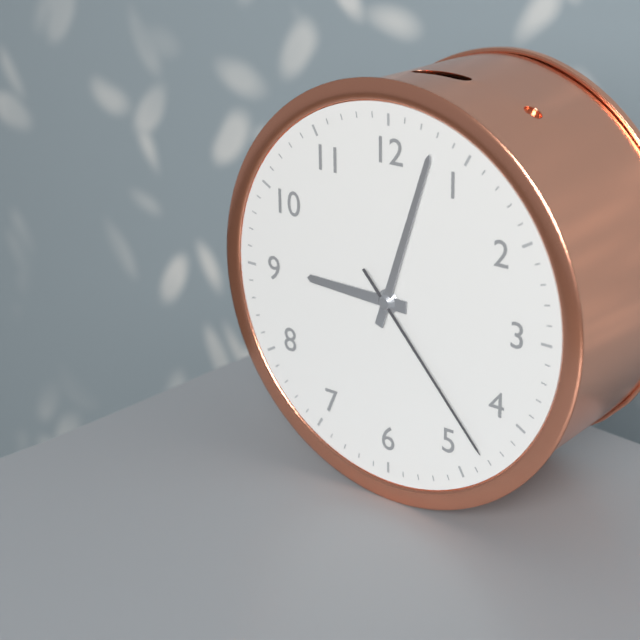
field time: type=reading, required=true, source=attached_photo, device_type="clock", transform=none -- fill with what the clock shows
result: 9:03:23
